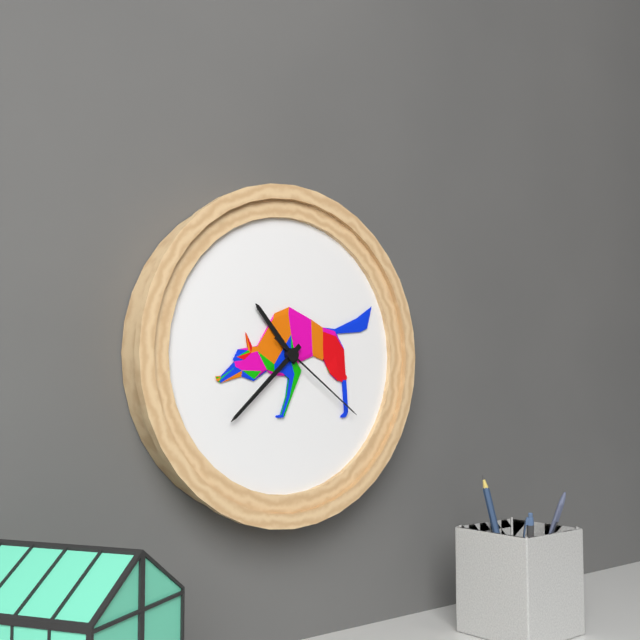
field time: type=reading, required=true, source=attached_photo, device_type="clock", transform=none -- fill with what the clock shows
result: 10:38:21
